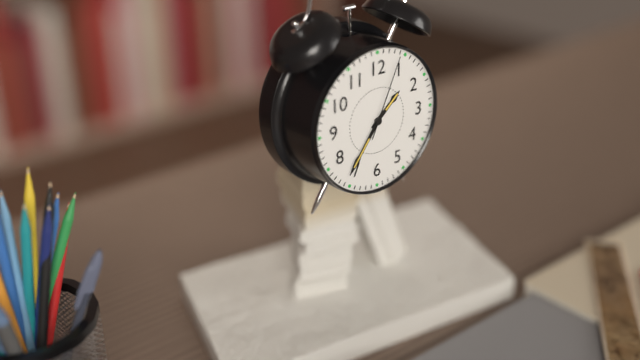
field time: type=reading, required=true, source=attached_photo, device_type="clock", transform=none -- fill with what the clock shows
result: 1:36:04
